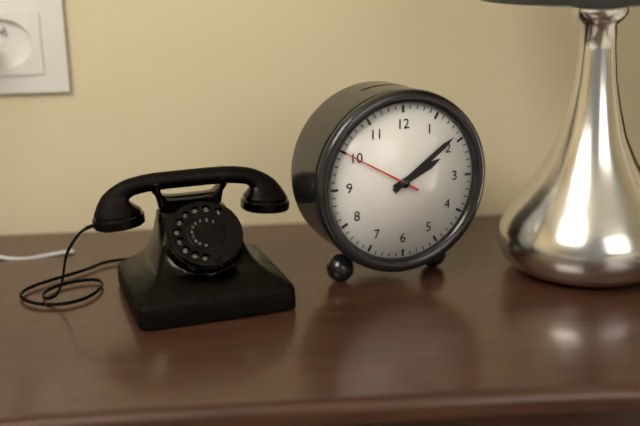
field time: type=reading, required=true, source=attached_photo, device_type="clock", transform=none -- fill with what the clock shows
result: 2:09:50
